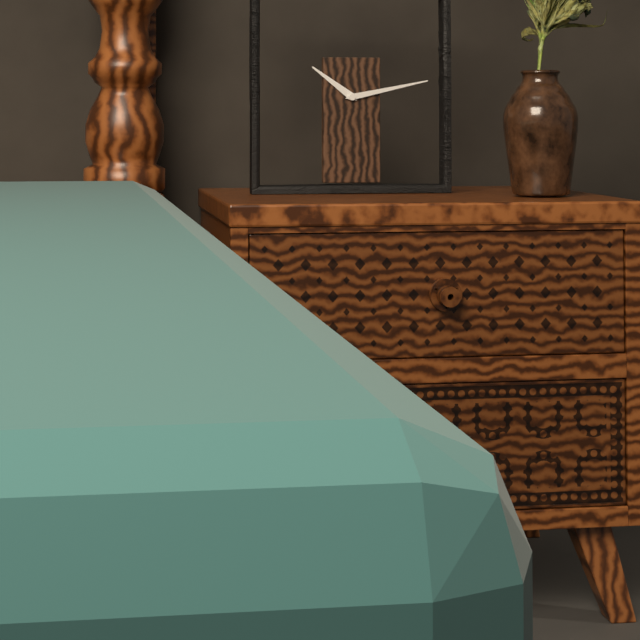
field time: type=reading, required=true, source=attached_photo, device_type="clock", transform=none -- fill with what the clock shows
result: 10:13
